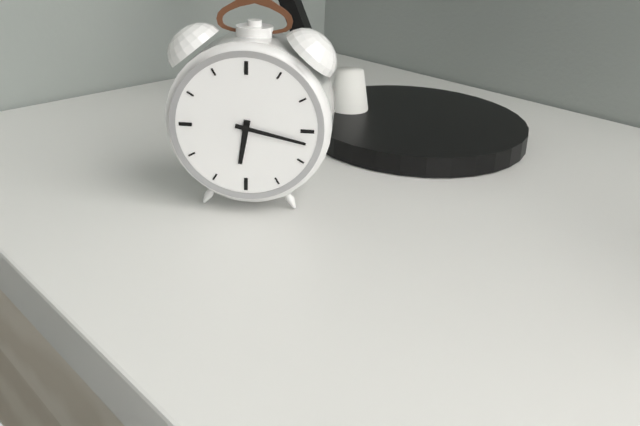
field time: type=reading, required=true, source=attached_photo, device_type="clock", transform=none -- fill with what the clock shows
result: 6:17
